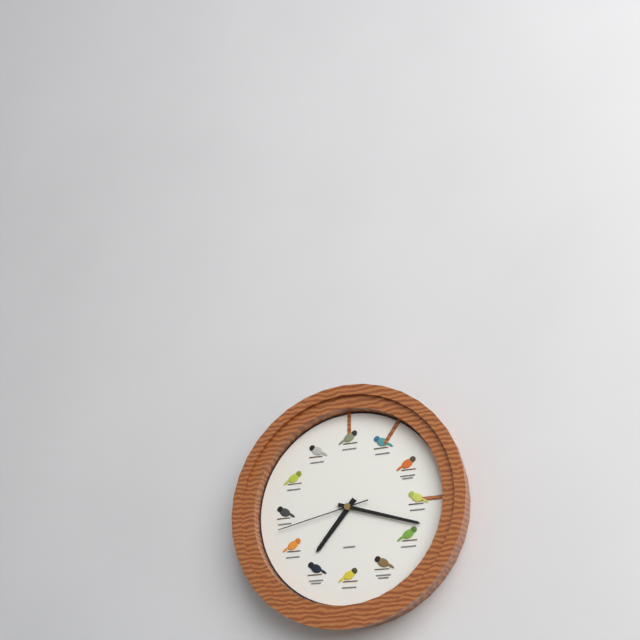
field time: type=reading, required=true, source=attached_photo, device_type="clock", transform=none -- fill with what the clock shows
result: 7:18:43
